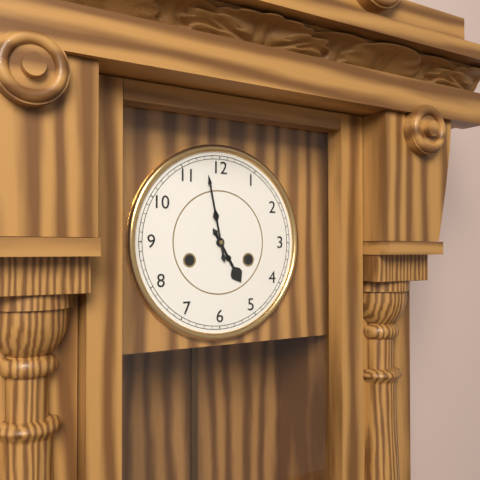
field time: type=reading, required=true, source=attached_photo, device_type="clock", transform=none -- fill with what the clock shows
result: 4:58
